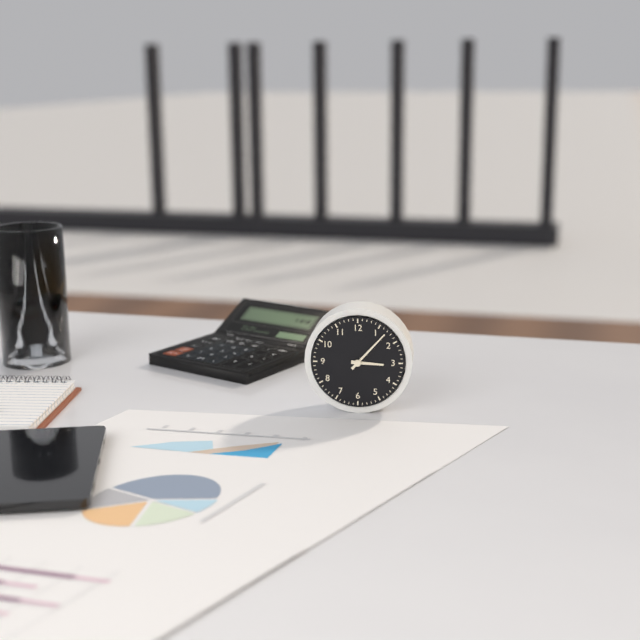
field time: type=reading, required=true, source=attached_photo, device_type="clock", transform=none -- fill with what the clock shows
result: 3:07
